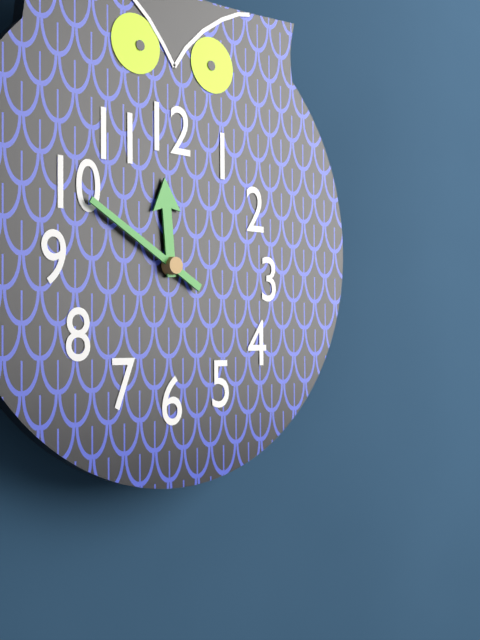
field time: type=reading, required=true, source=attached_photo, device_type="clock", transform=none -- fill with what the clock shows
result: 11:50
